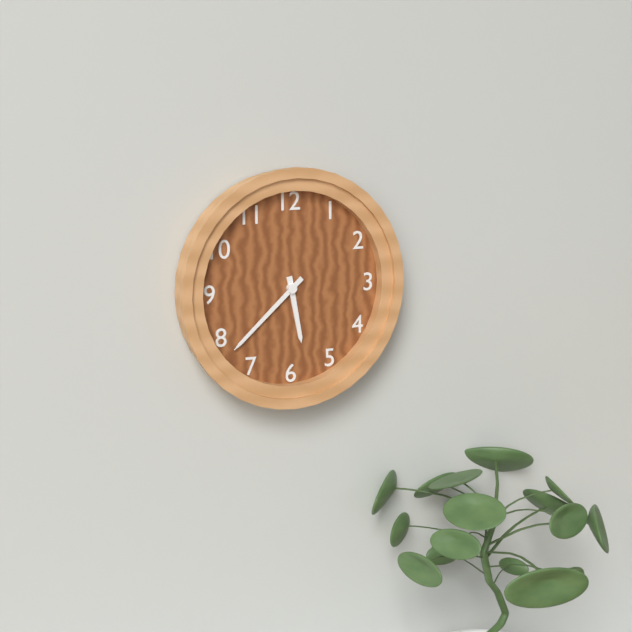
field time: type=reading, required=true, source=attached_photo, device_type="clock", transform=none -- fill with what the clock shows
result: 5:38
